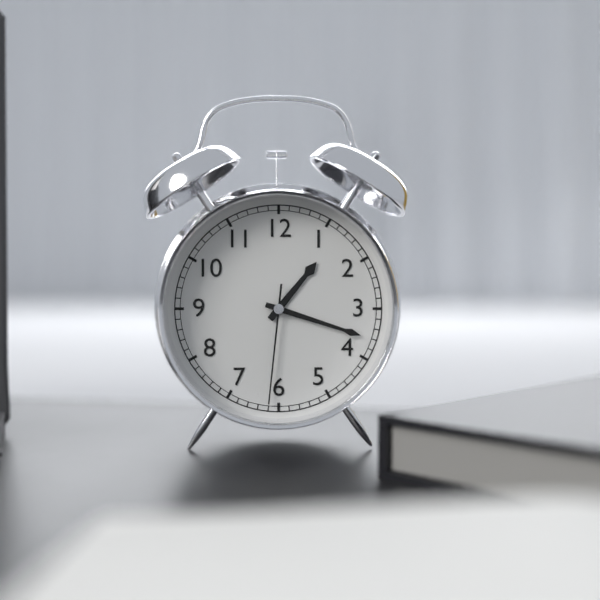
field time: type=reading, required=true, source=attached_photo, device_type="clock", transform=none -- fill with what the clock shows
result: 1:18:31
